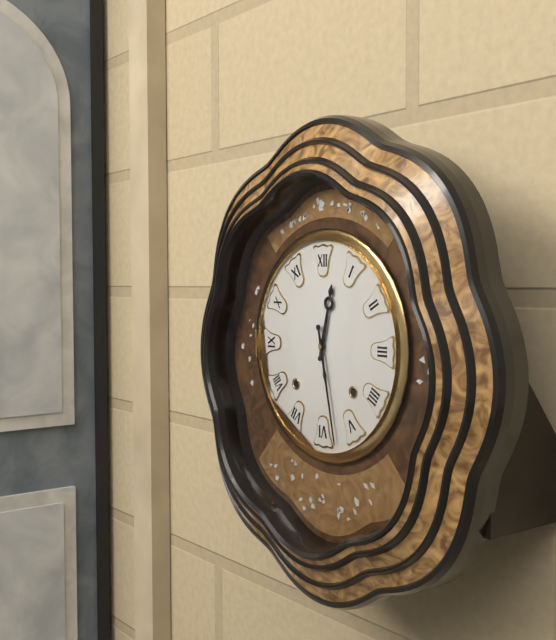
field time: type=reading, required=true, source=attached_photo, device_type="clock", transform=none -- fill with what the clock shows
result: 12:28
